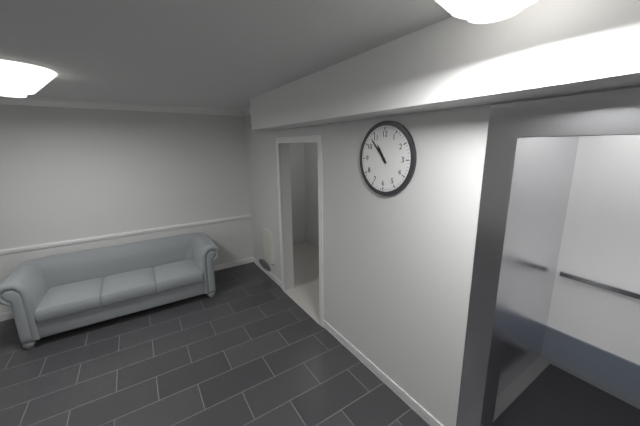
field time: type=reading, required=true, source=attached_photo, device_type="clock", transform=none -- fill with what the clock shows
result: 10:53
